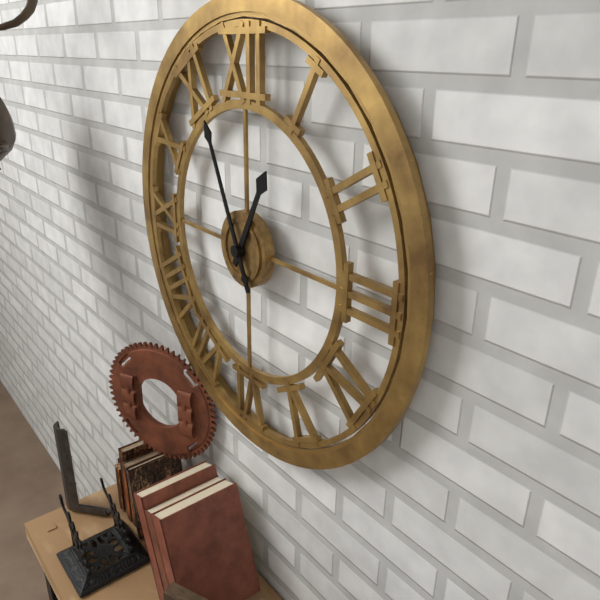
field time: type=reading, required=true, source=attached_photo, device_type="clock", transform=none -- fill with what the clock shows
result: 12:56
